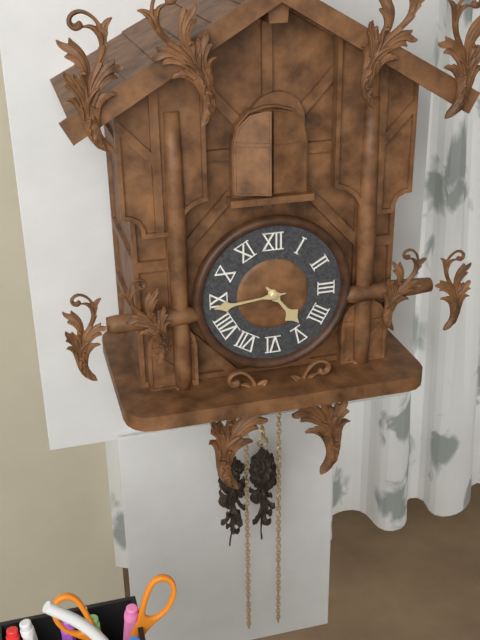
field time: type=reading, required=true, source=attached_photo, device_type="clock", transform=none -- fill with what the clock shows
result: 4:44
